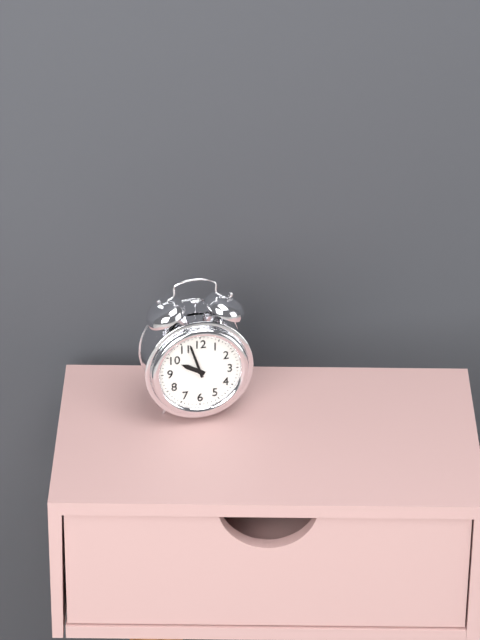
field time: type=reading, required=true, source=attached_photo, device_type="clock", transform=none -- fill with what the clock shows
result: 9:57
